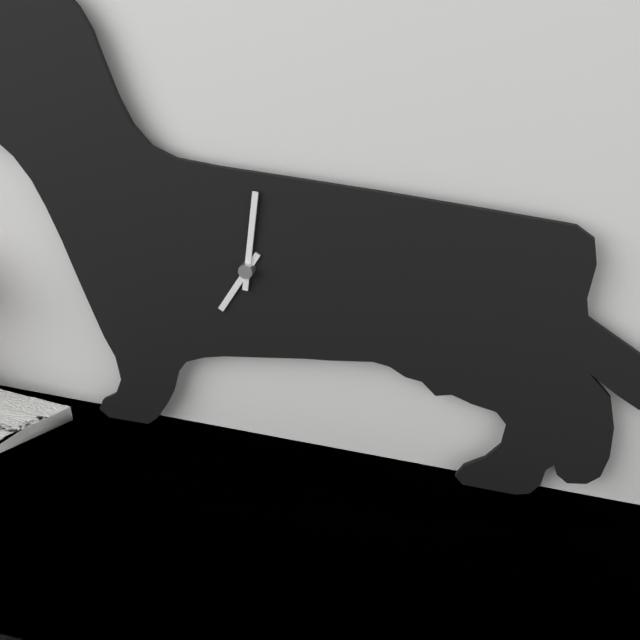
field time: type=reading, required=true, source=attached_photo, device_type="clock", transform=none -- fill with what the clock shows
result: 7:01
